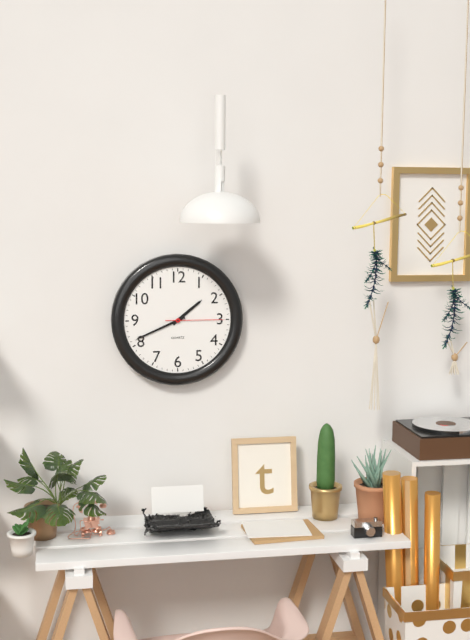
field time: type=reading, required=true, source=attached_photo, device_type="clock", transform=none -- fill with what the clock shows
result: 1:41:15
